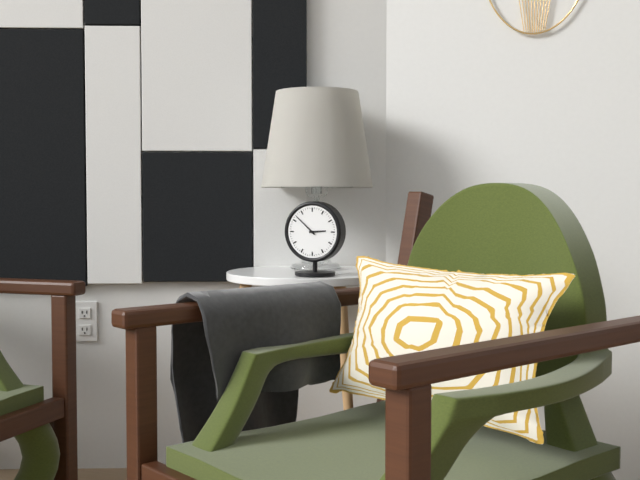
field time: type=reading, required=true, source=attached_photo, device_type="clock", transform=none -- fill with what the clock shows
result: 2:52
